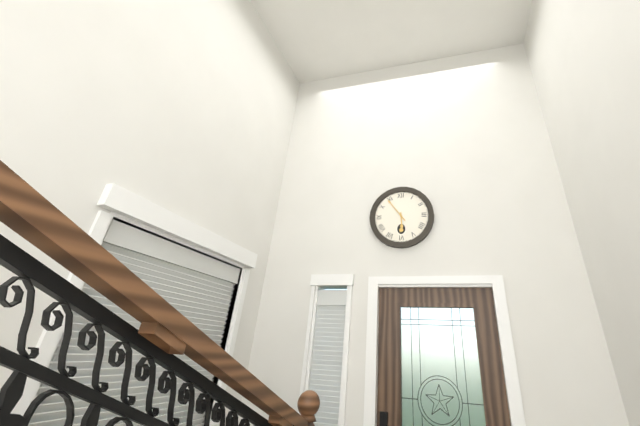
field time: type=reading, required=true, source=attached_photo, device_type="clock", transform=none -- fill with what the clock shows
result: 5:54
